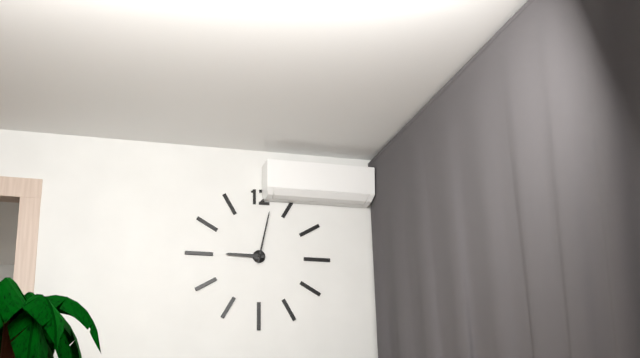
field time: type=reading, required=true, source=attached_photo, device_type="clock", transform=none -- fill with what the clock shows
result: 9:02
